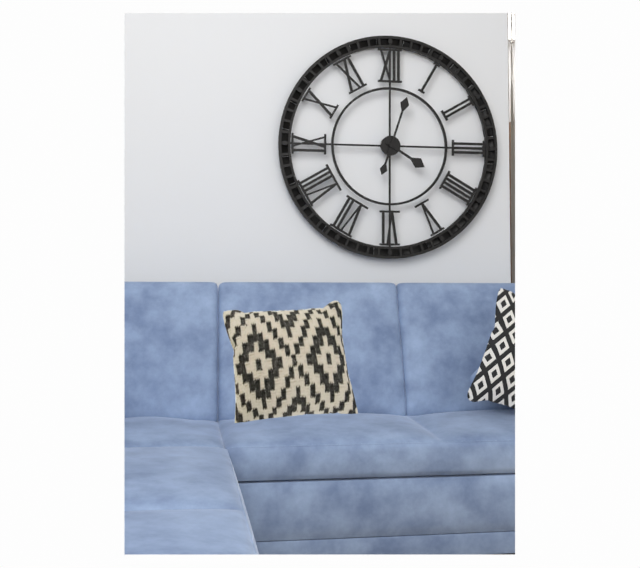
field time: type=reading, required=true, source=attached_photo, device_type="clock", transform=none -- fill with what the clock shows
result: 4:03
